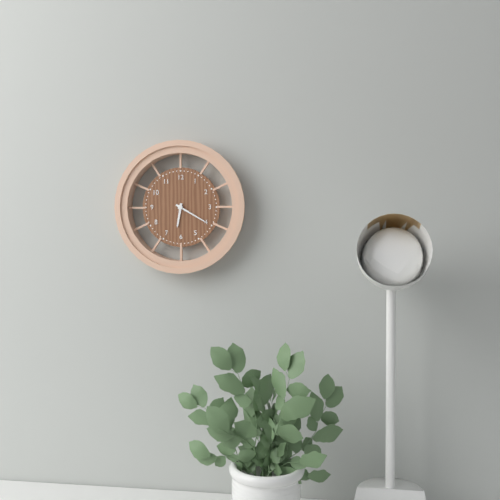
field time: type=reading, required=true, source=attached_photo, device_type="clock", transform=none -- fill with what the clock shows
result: 6:20
